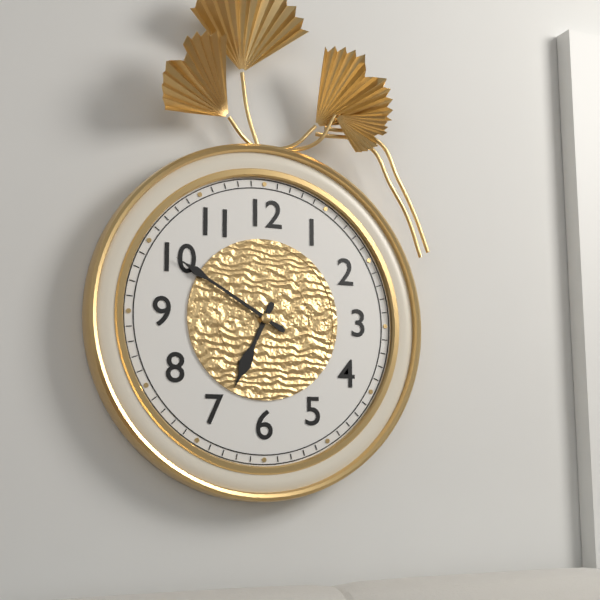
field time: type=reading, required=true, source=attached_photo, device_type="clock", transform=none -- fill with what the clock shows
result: 6:50
